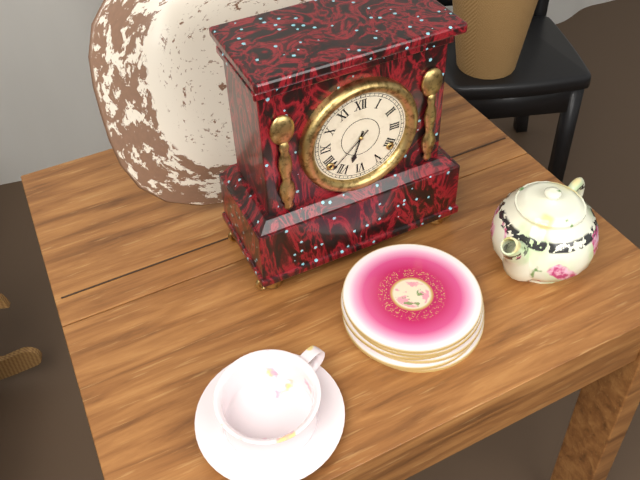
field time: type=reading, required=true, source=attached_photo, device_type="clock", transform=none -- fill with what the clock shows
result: 6:38
